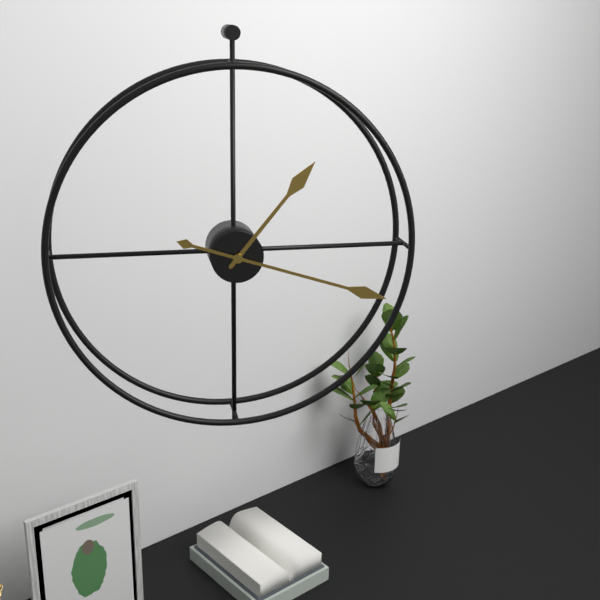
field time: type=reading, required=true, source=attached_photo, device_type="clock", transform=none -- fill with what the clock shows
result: 1:18
